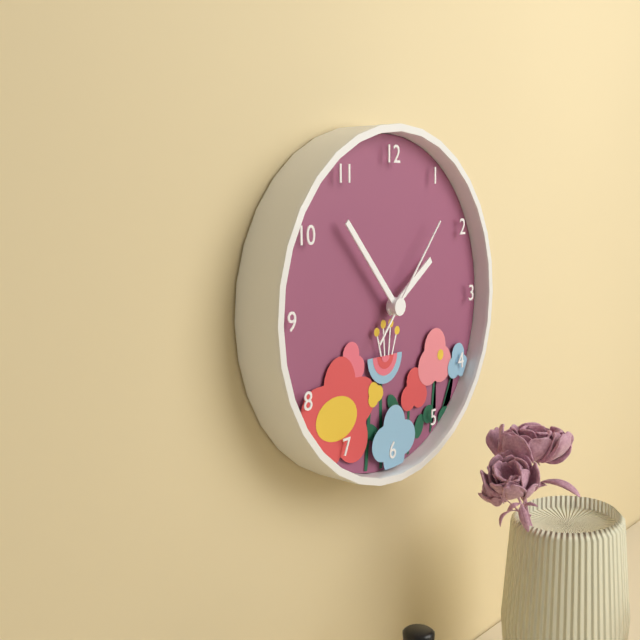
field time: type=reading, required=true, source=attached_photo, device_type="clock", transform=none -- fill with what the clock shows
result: 1:53:07
